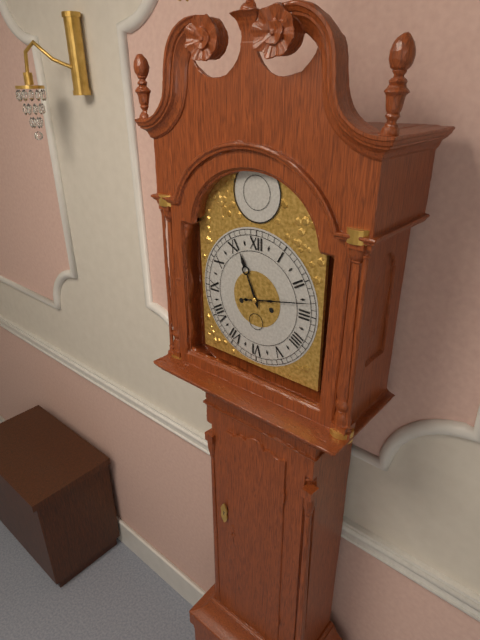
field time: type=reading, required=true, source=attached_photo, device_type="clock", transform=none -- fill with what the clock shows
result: 11:13
